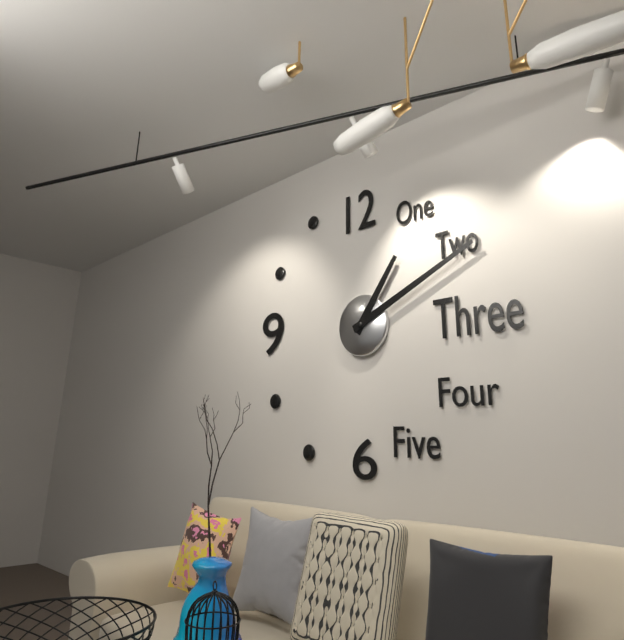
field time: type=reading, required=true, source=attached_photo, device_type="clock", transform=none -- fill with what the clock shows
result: 1:11
